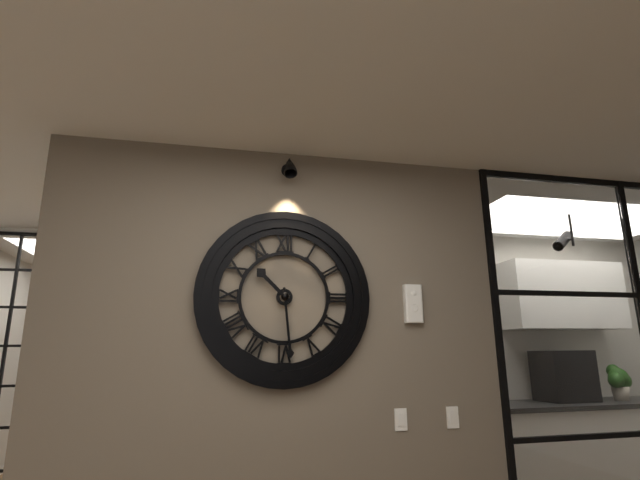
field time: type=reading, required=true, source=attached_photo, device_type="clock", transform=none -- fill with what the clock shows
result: 10:29
